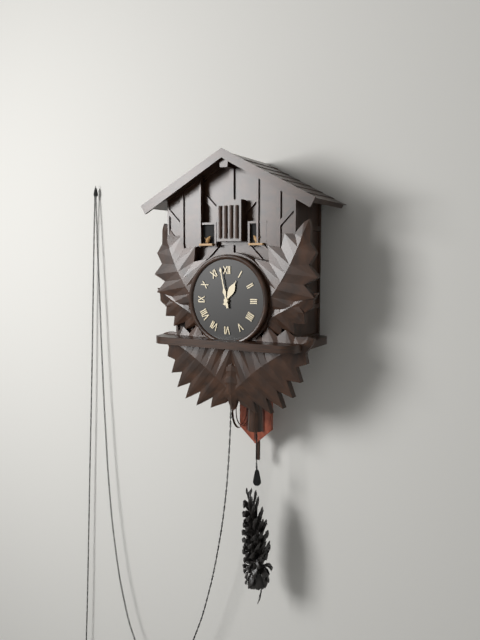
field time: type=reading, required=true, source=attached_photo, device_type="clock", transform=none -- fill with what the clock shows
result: 12:58
